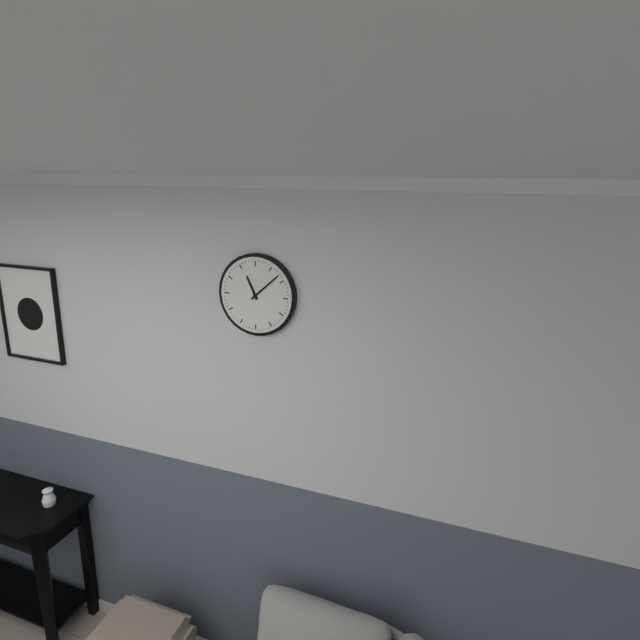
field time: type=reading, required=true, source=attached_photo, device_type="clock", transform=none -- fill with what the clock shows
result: 11:08
